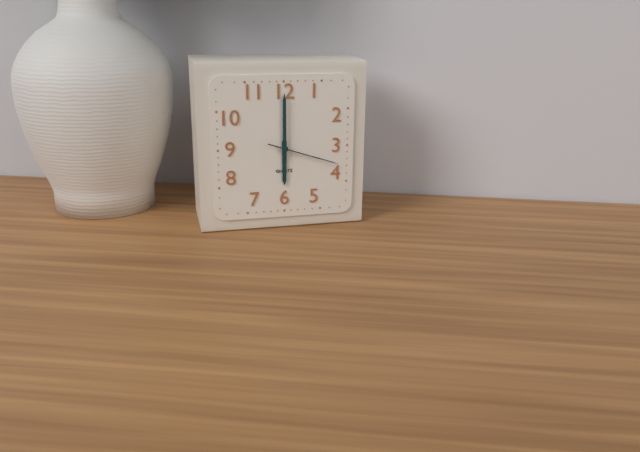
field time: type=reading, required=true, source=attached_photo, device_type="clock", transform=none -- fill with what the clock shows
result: 6:00:18
